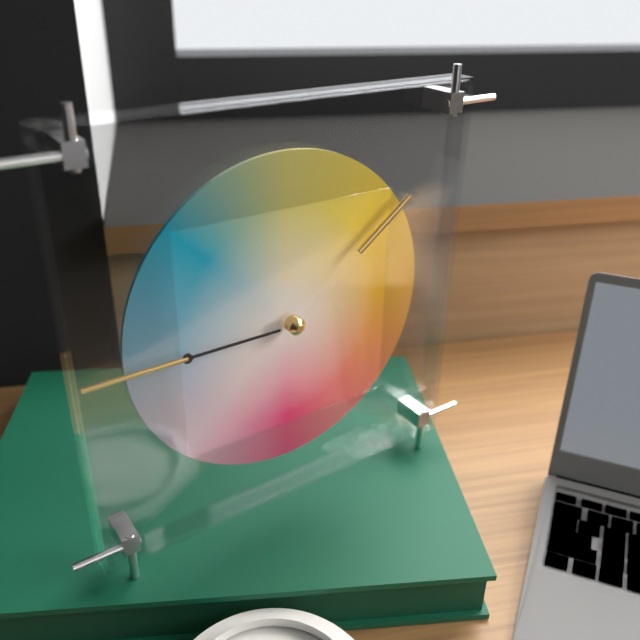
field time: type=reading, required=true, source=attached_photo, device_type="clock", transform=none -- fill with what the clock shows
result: 1:45
